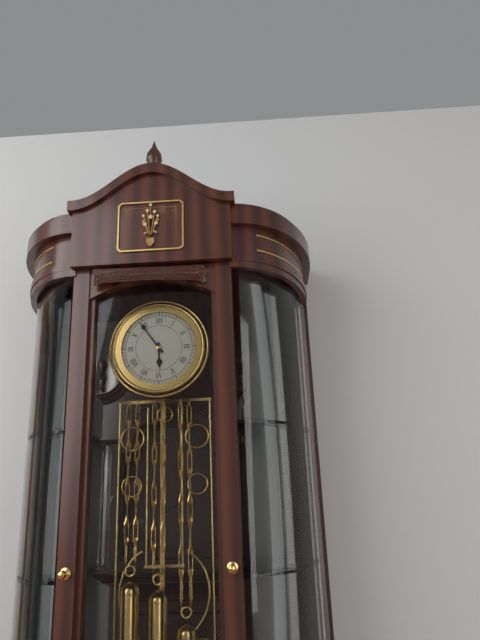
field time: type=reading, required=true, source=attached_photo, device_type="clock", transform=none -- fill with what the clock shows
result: 5:54
